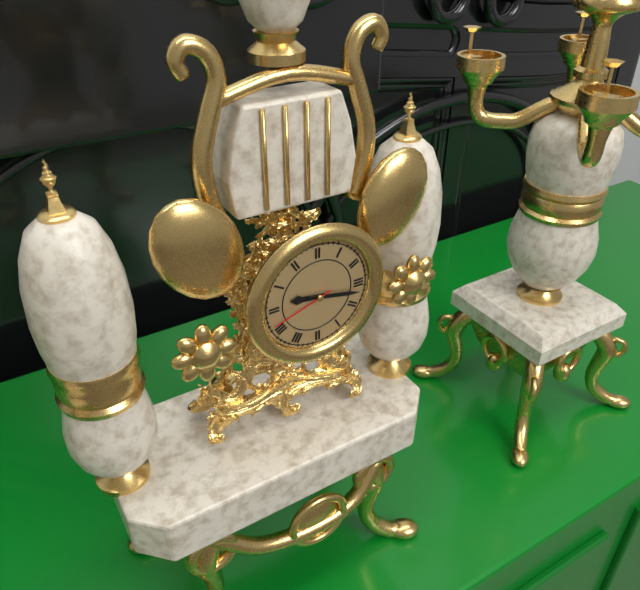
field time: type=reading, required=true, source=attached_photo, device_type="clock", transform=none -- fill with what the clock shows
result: 9:17:42
